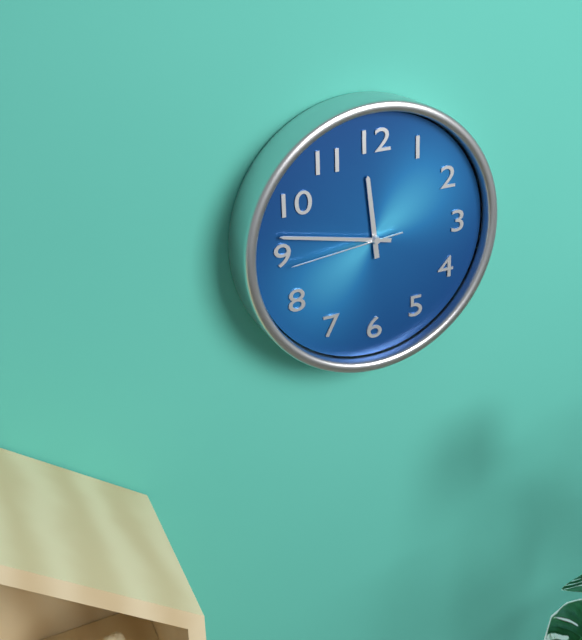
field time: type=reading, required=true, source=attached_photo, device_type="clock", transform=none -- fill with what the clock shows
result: 11:47:44
